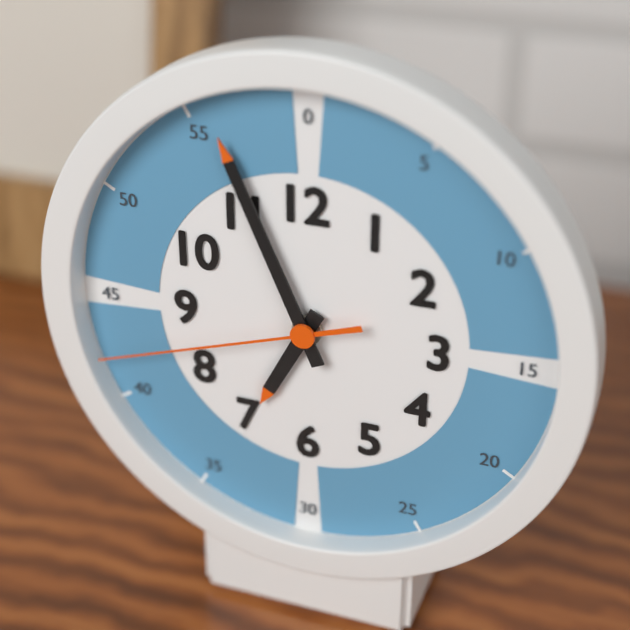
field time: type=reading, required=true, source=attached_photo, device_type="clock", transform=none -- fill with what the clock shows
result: 6:56:42
